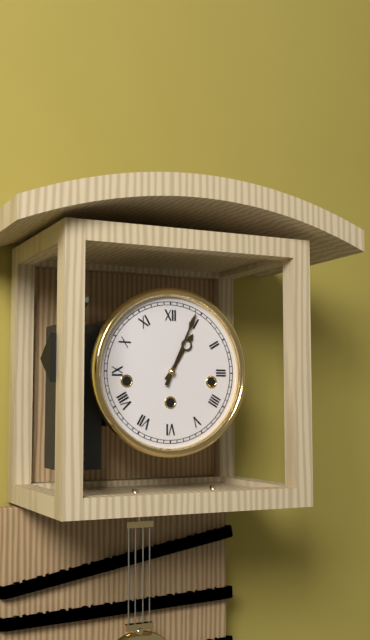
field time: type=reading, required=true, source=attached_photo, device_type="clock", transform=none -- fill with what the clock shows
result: 1:04
